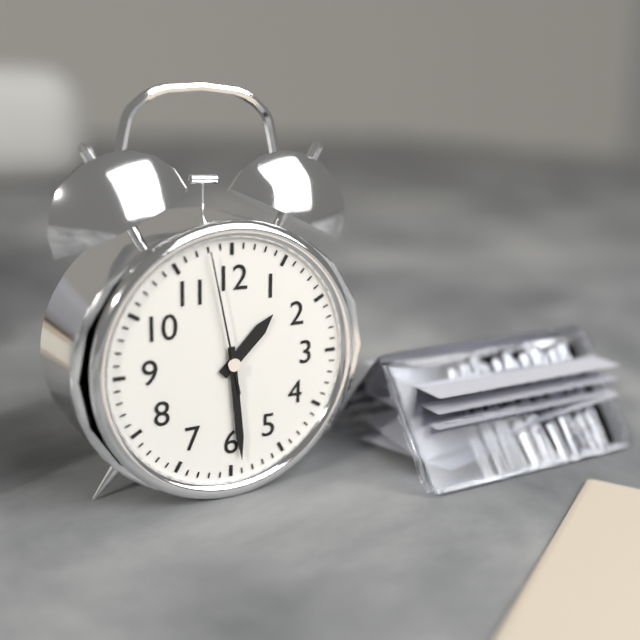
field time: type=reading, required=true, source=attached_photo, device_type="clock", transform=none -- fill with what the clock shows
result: 1:29:58
